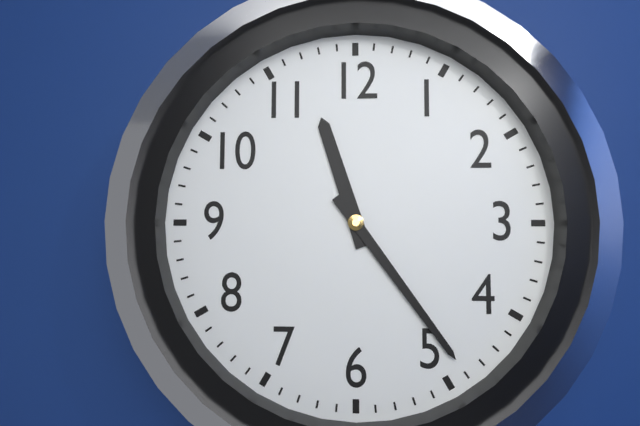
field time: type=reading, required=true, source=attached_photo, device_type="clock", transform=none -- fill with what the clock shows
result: 11:24
